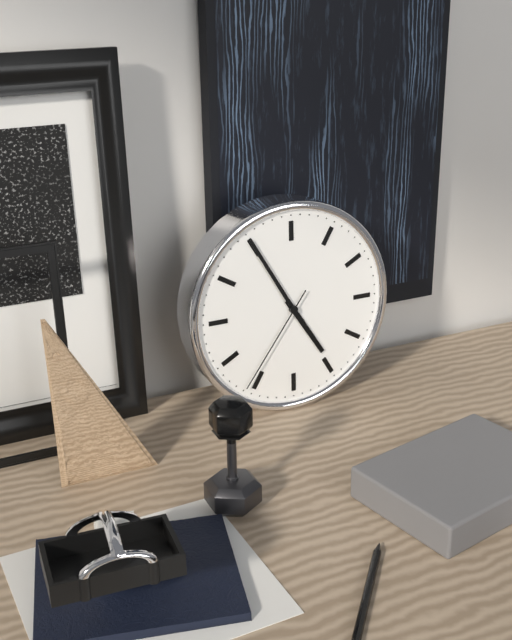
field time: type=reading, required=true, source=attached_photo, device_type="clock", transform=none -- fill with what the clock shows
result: 4:55:36
